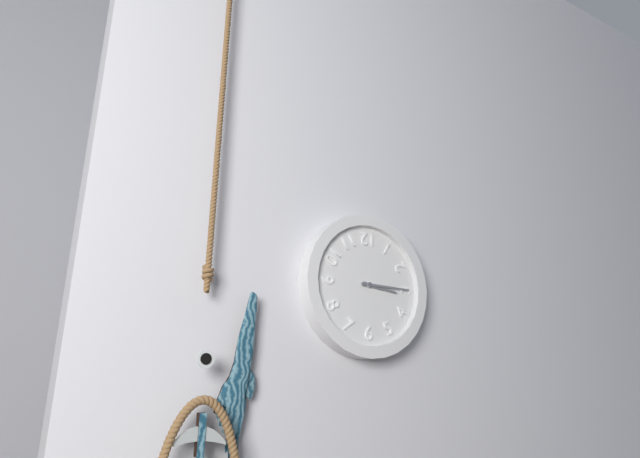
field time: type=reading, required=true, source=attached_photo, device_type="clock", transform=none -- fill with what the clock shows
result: 3:15
